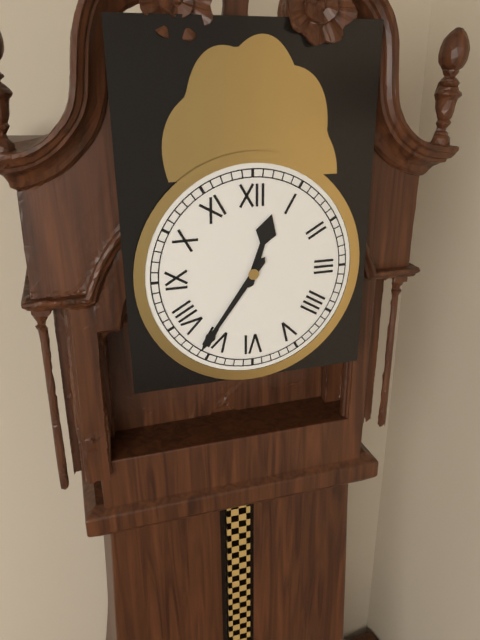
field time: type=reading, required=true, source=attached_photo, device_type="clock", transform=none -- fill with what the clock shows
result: 12:36
